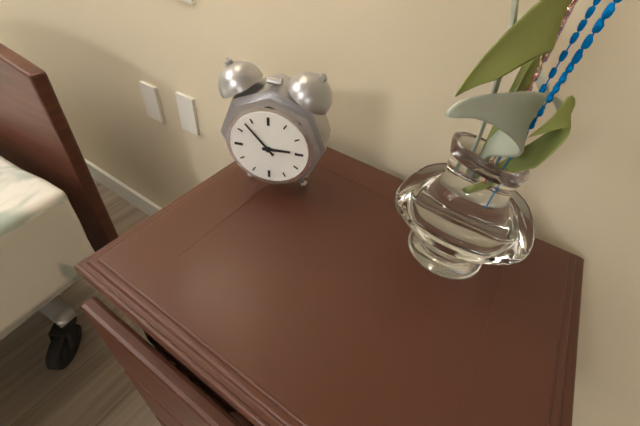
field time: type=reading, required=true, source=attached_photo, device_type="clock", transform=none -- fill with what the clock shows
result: 2:53
